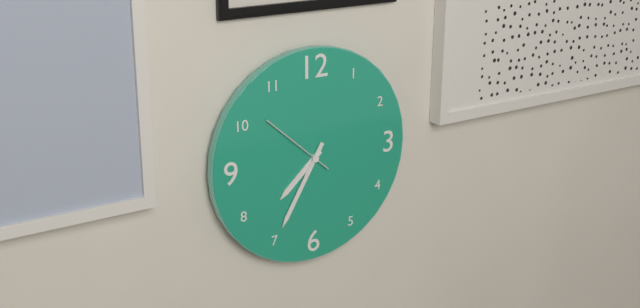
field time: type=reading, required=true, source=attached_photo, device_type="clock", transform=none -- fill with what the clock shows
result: 7:35:52
